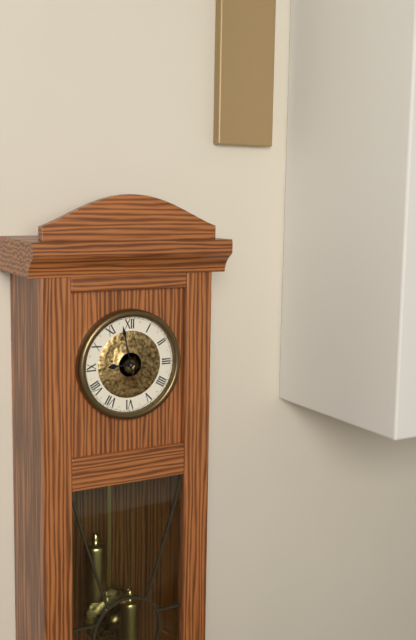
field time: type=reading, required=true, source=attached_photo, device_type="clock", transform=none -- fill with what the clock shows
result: 8:58
